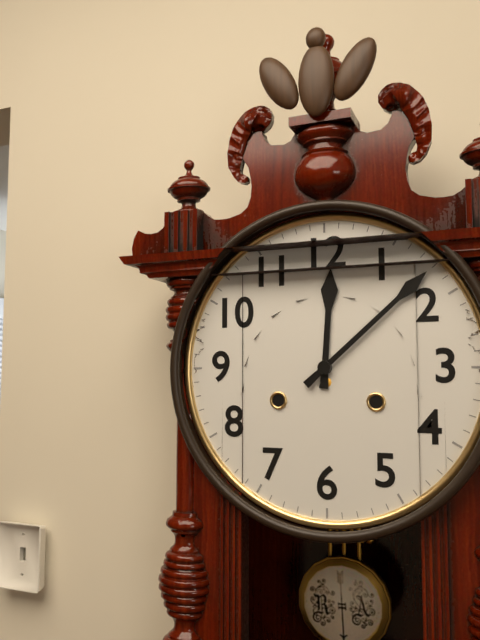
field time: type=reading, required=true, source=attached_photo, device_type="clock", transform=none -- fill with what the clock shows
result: 12:08
